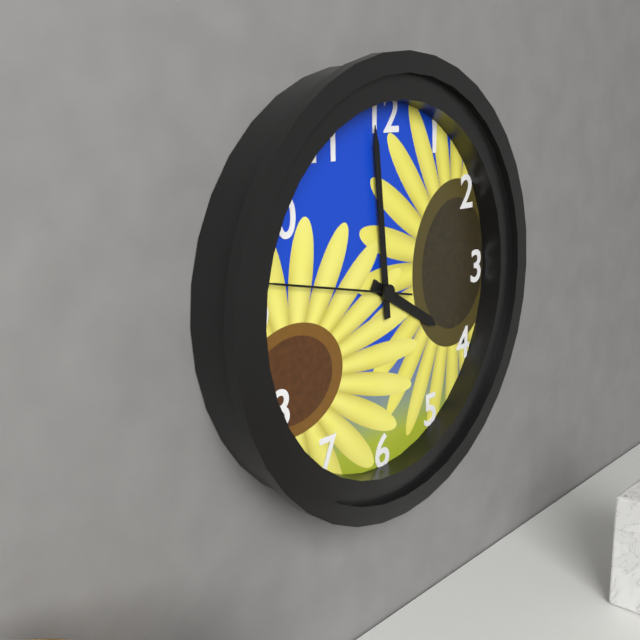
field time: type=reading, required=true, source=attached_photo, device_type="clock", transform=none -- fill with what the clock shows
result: 3:59:47
